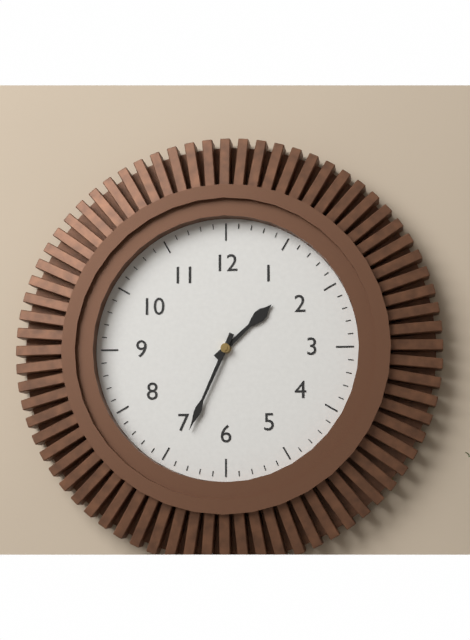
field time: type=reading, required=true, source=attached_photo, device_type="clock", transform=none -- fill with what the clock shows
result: 1:34
